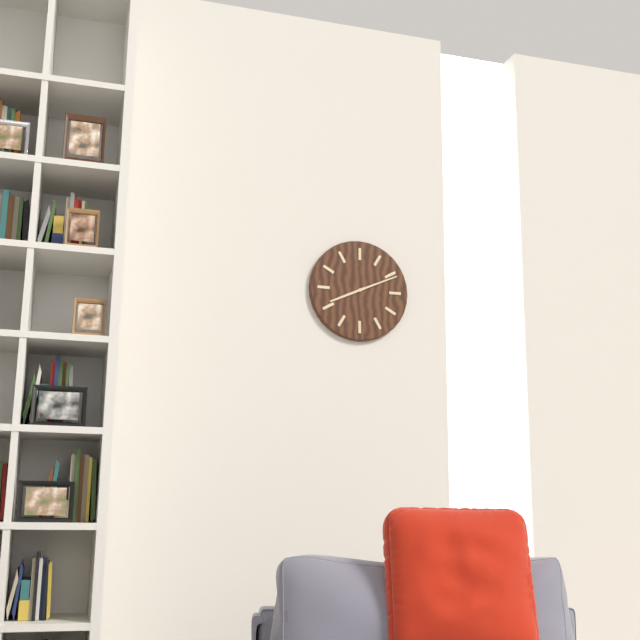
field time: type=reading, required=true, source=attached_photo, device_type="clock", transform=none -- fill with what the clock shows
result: 8:11
